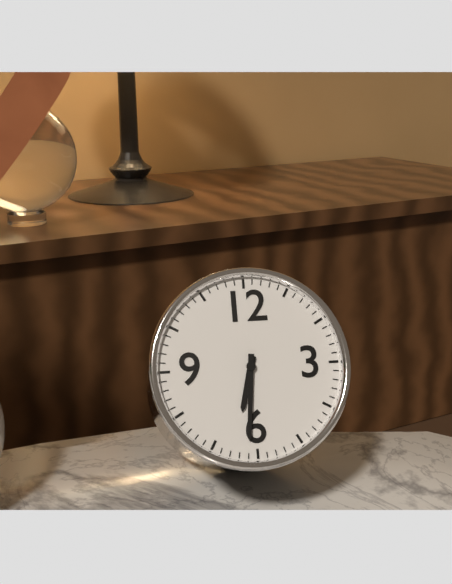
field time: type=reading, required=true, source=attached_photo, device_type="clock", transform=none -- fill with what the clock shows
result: 6:31
